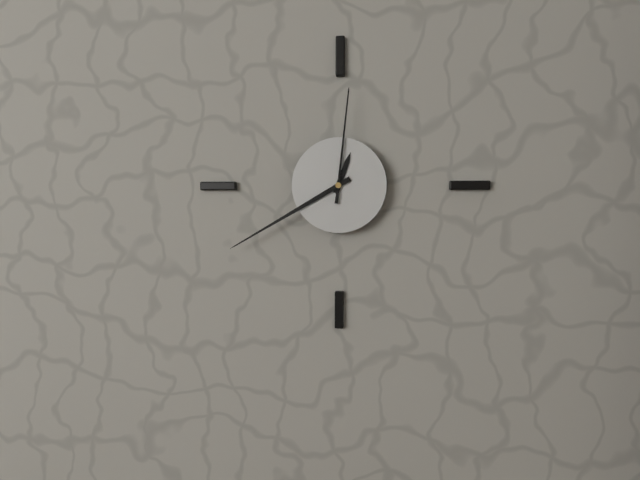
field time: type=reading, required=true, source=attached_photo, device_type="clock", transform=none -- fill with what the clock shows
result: 12:40:01
